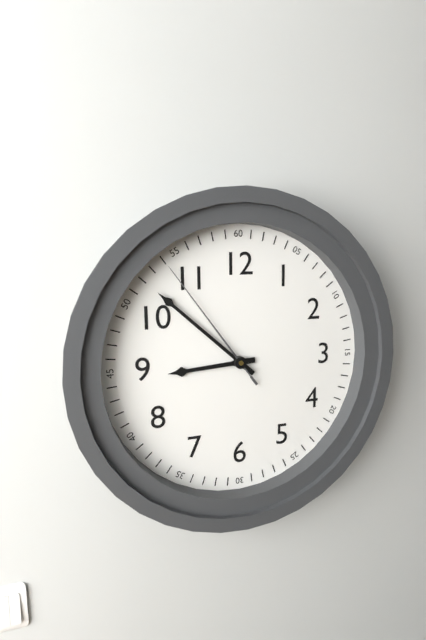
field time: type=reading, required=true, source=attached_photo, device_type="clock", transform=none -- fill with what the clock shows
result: 8:52:54
